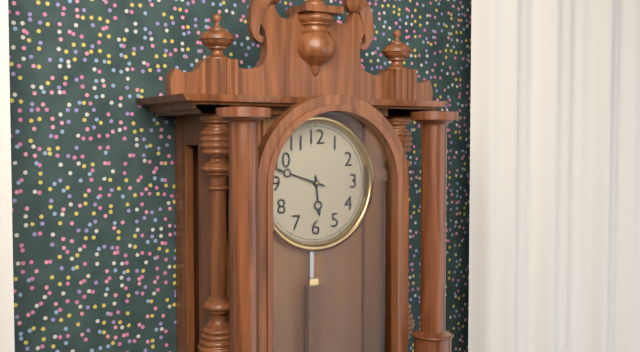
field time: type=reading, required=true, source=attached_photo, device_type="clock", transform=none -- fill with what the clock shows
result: 5:48
